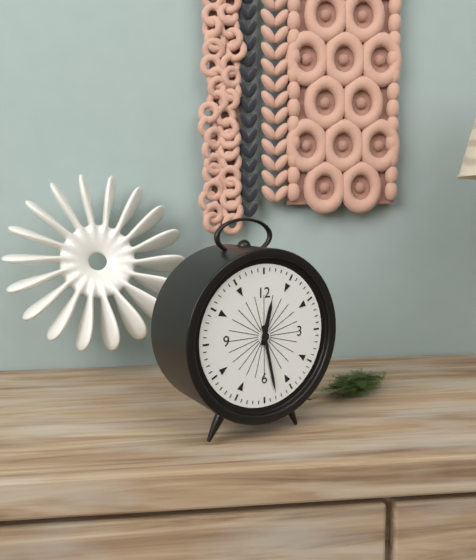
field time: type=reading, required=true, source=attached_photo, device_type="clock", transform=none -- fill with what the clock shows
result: 12:28
